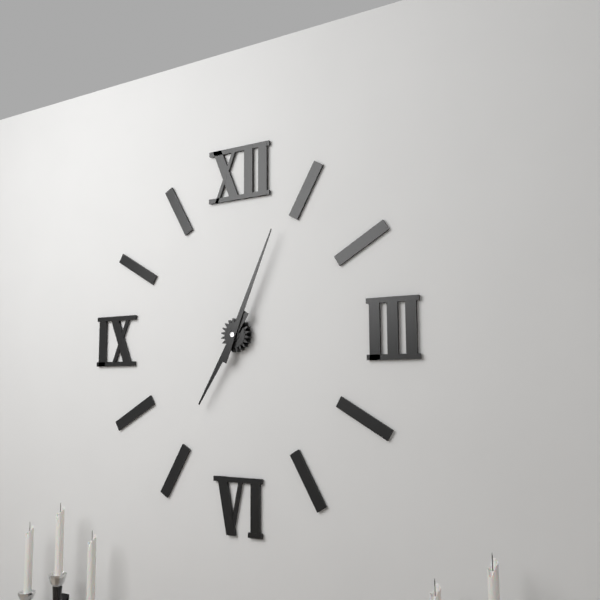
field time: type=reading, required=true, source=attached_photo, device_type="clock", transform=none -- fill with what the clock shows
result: 7:04
